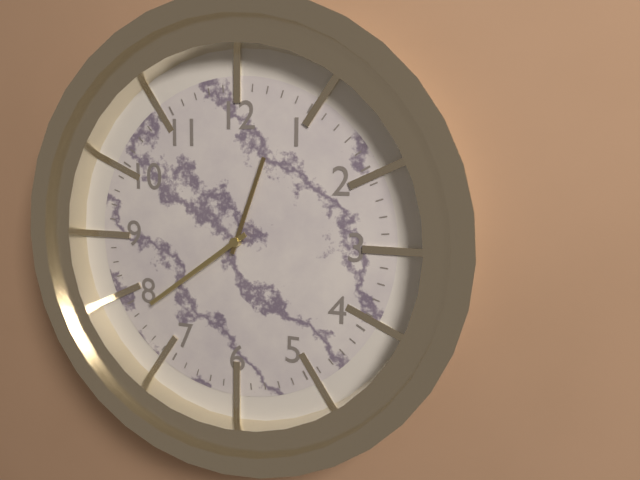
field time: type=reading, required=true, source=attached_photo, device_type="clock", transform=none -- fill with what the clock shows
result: 12:39
